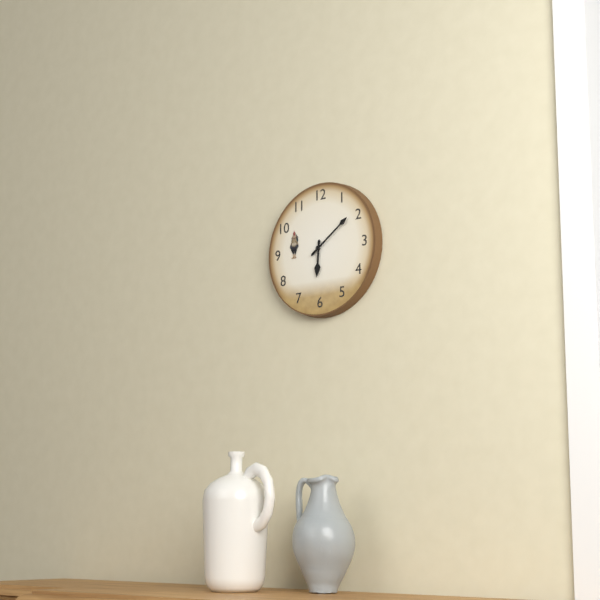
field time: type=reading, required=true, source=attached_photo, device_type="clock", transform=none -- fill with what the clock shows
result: 6:09
